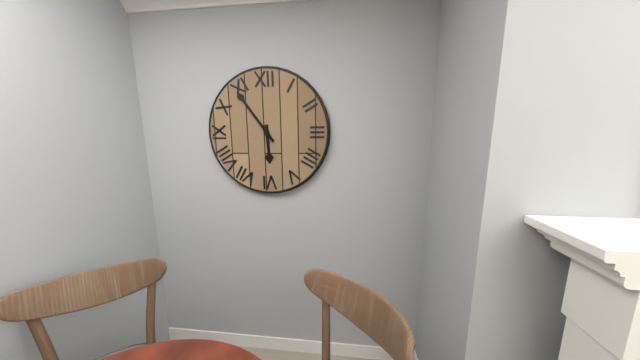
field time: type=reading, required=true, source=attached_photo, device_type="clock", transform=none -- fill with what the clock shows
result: 5:54
